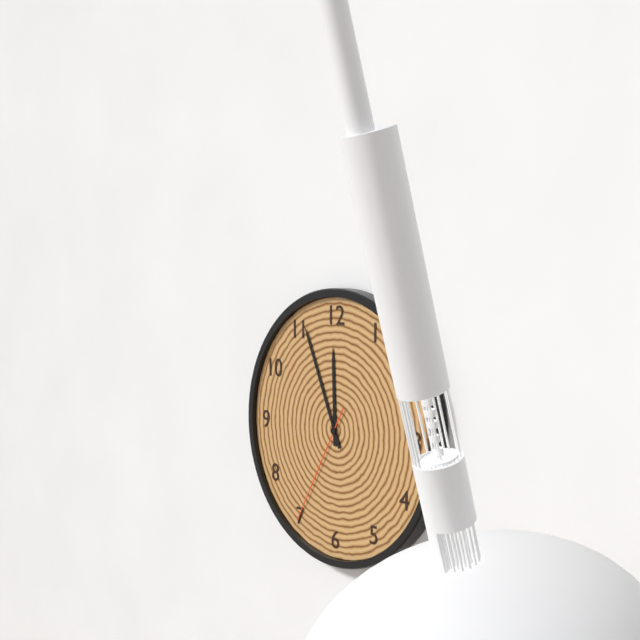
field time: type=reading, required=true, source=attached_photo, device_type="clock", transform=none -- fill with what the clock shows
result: 11:56:35
